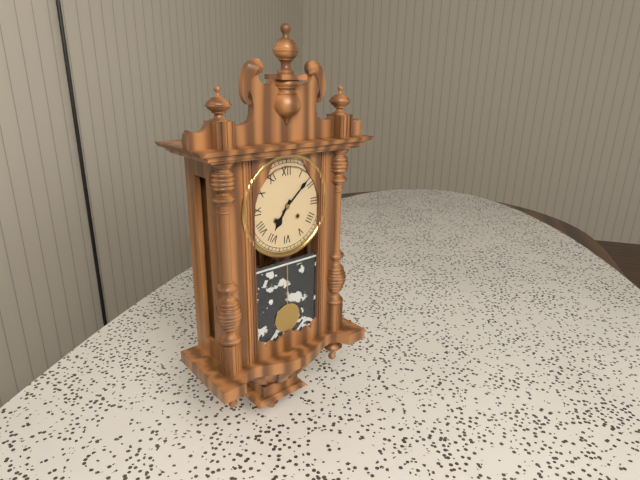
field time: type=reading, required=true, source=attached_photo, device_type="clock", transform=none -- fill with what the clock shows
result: 7:08
